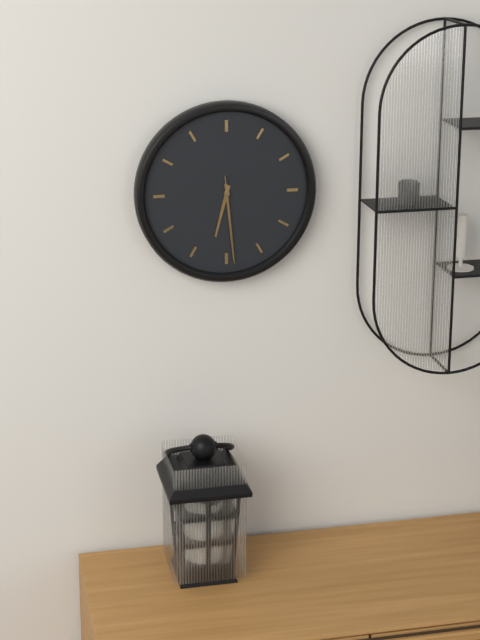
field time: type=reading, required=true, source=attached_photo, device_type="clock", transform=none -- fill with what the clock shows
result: 6:29:29
